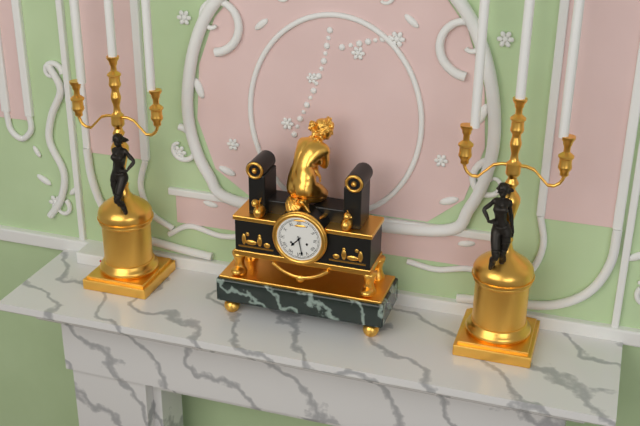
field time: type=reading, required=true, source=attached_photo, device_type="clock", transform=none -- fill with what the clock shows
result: 7:28
